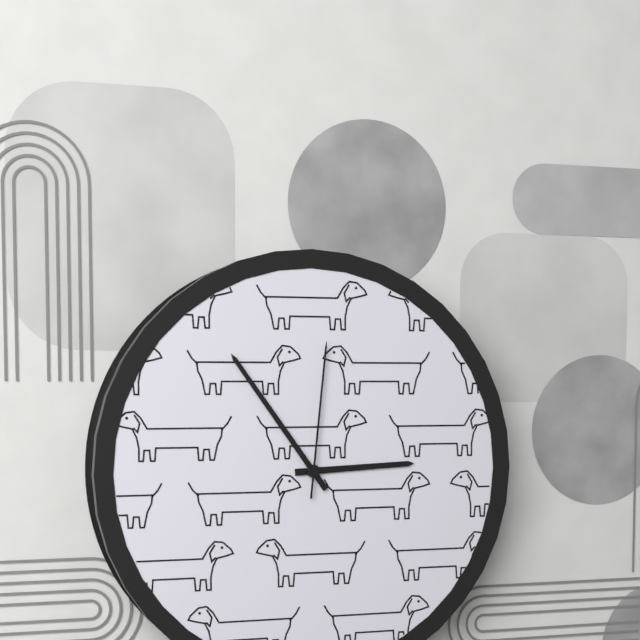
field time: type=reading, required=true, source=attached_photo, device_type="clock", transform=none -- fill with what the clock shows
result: 2:54:01
